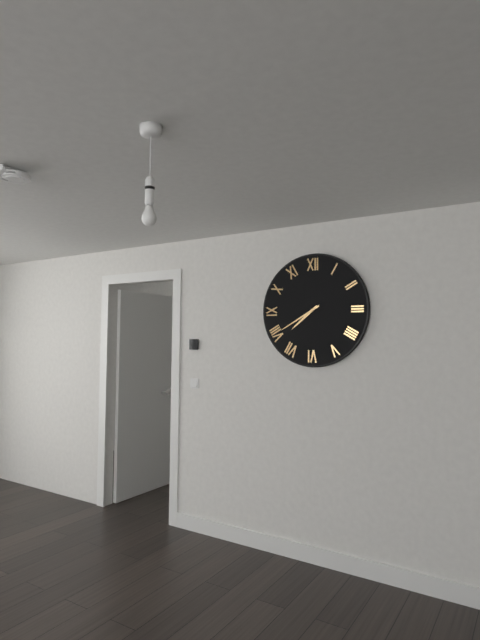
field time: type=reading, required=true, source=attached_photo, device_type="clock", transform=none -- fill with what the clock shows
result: 7:40
